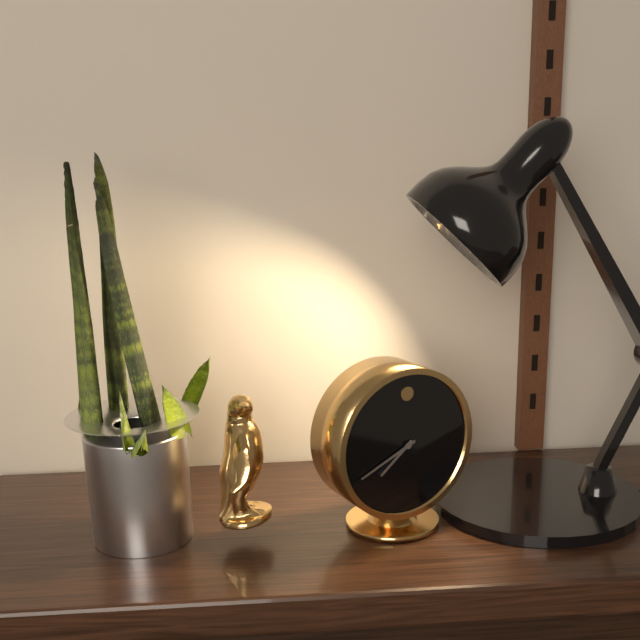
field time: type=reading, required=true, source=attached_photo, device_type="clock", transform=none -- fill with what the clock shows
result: 7:41
